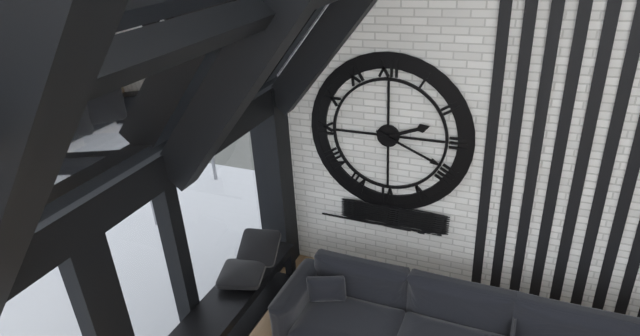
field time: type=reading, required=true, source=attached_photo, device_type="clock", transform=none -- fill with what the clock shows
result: 2:19
